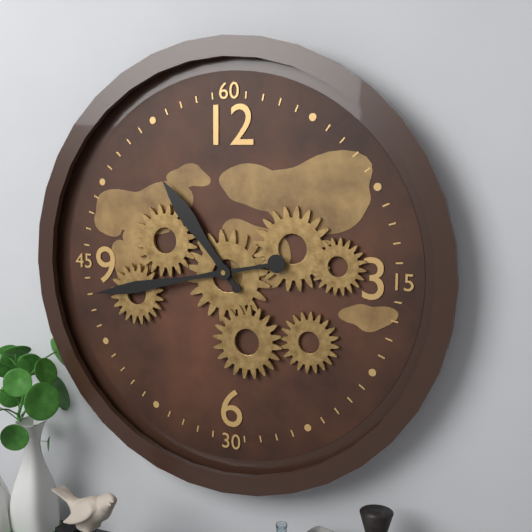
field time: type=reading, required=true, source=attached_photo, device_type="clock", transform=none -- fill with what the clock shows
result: 10:43
